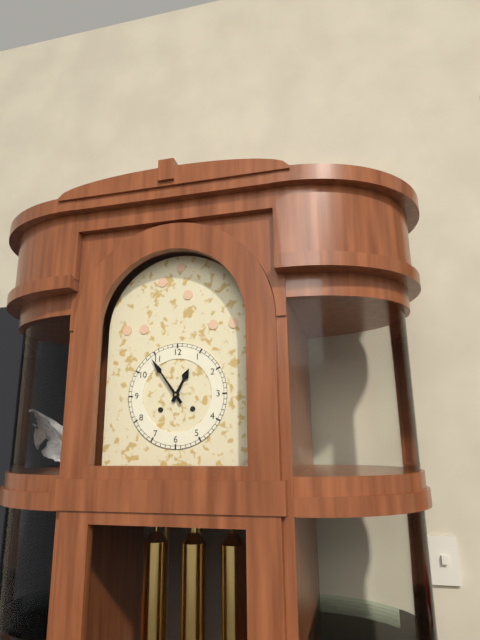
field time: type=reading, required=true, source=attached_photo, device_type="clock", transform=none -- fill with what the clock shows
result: 12:54
